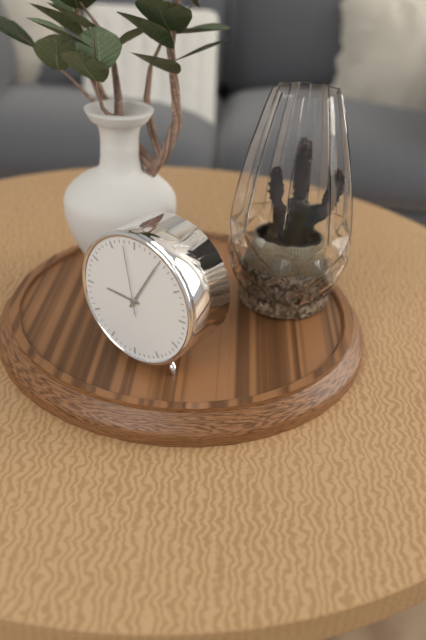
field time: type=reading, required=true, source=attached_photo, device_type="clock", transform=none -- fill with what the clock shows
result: 9:05:58
